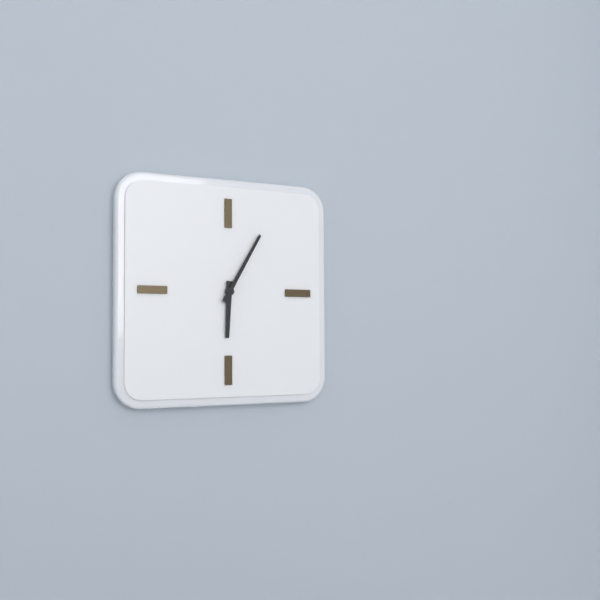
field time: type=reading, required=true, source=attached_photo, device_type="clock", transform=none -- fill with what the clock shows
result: 6:05
